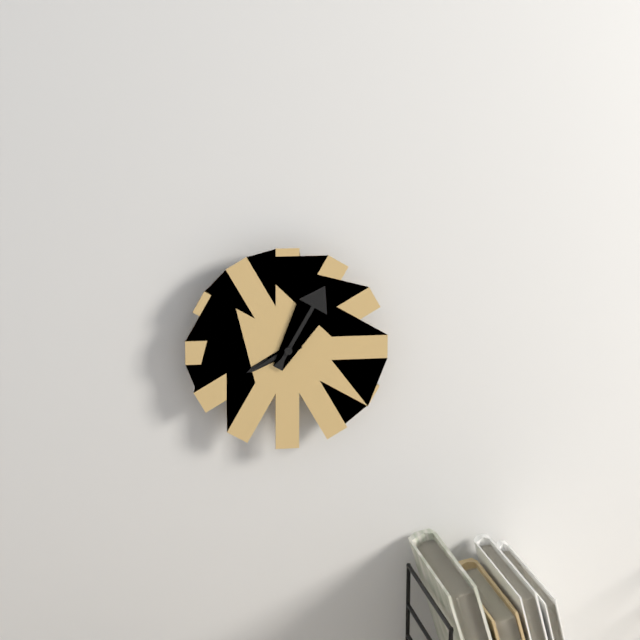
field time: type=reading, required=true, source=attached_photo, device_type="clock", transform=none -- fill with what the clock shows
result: 8:05
